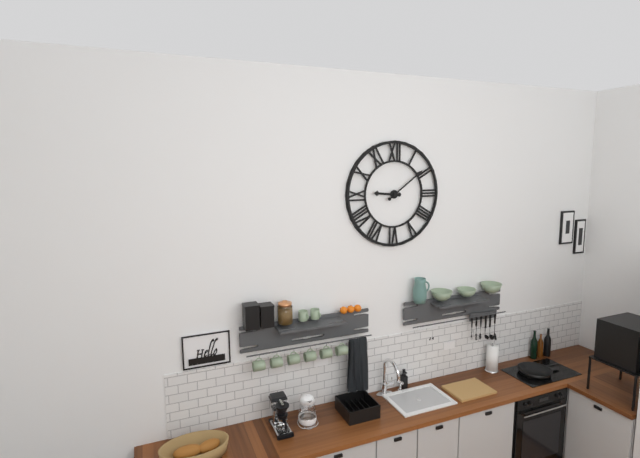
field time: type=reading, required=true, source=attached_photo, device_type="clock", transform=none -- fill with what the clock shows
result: 9:09
